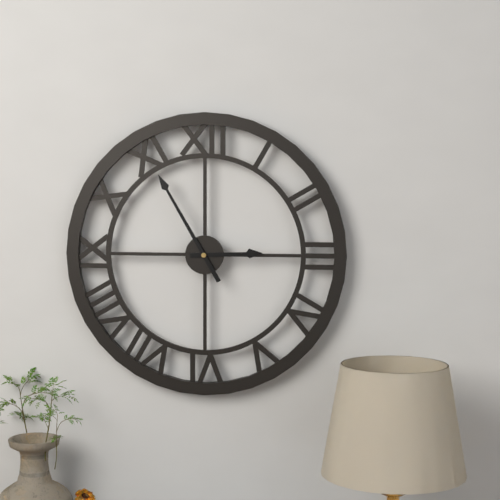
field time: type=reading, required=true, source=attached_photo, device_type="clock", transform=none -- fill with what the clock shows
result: 2:55
